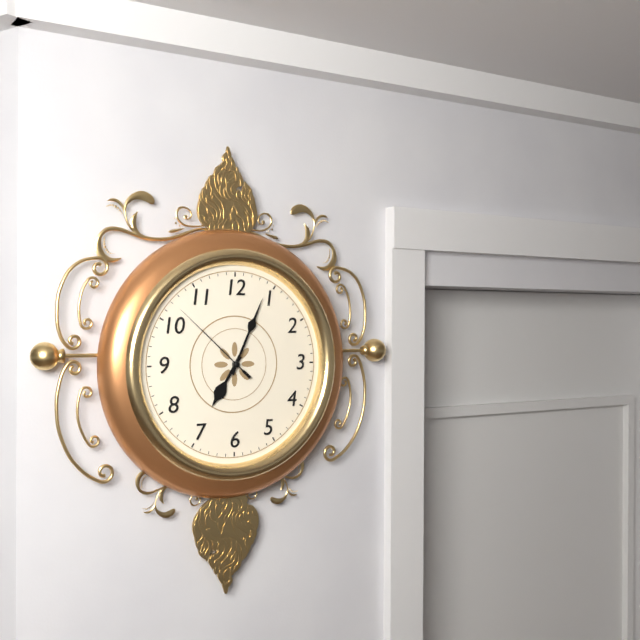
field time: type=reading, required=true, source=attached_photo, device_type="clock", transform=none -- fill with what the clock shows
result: 7:04:52
